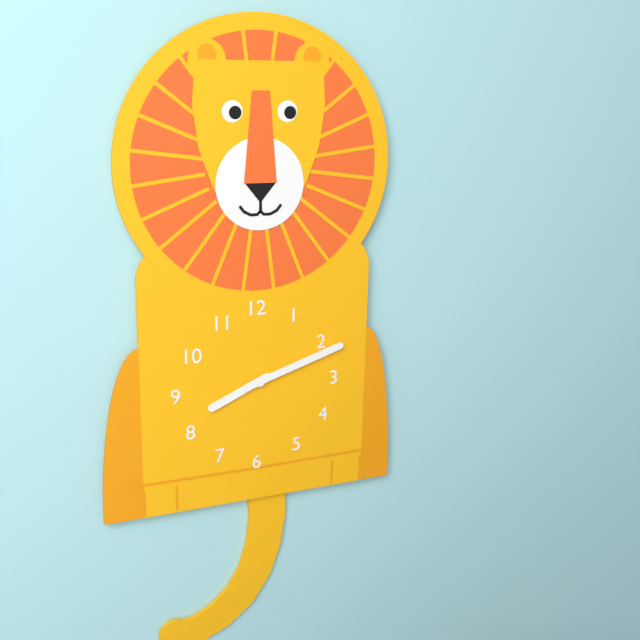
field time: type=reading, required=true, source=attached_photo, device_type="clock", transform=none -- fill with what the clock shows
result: 8:12
